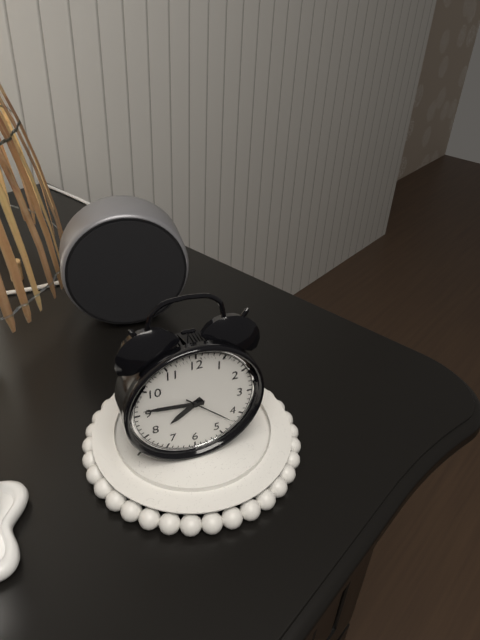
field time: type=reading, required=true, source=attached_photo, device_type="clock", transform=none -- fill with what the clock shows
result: 7:46
